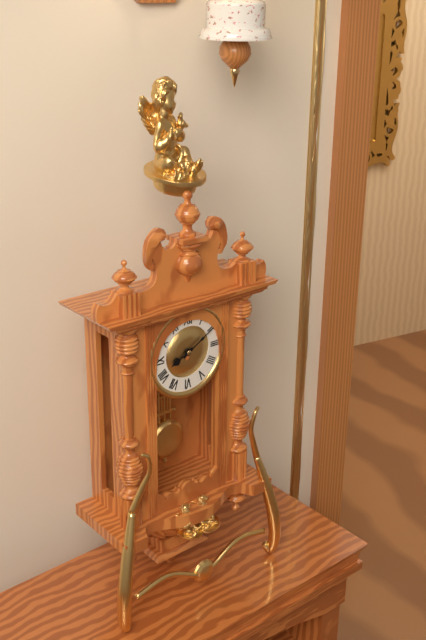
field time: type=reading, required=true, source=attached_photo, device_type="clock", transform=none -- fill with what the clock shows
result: 8:10
